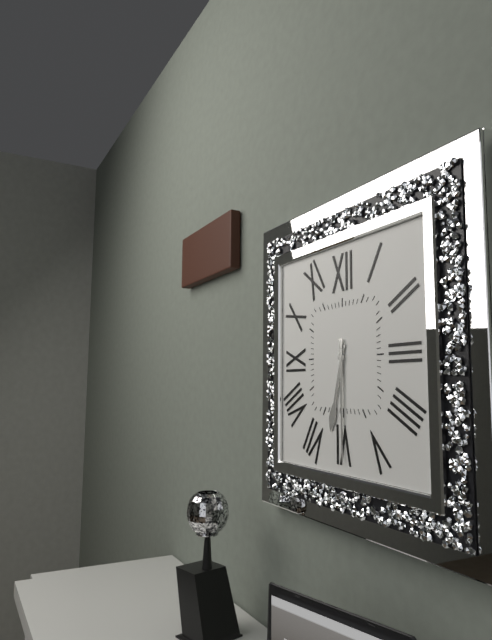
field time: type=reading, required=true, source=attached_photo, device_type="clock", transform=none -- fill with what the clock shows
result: 6:30
